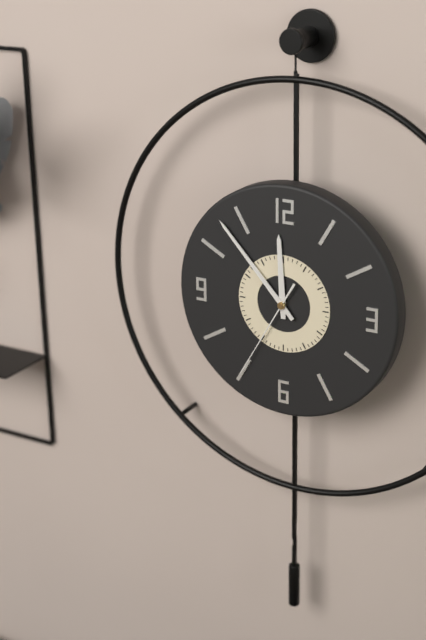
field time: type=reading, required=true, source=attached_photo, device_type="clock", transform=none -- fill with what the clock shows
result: 11:53:35
